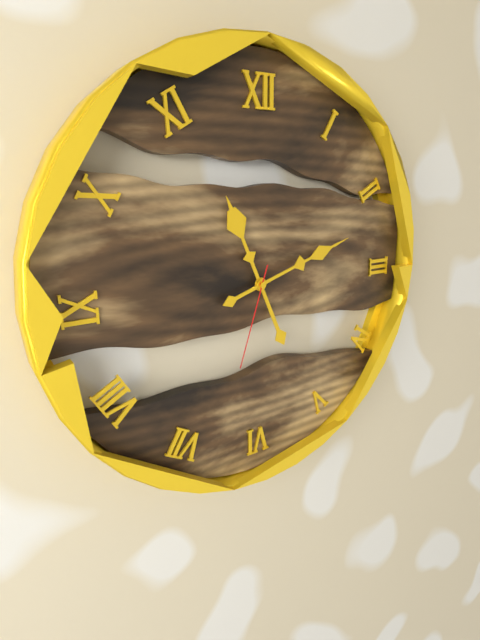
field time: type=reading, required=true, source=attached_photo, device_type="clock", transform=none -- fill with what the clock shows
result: 11:12:33
